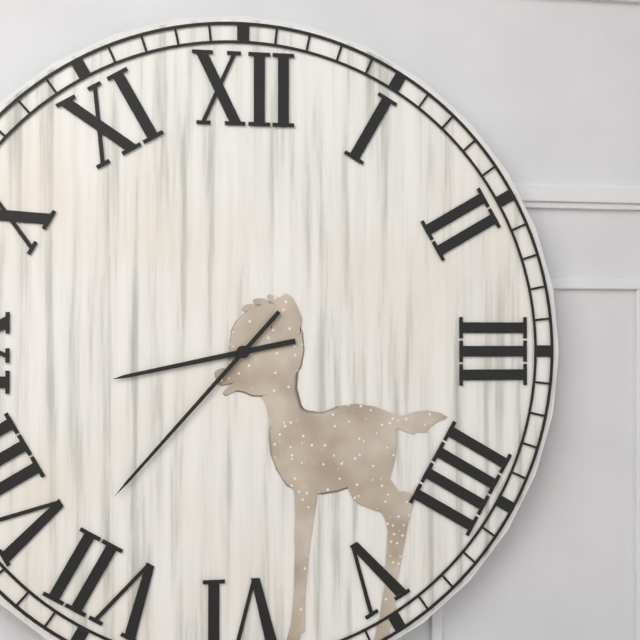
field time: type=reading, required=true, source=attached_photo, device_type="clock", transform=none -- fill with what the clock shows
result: 8:37
